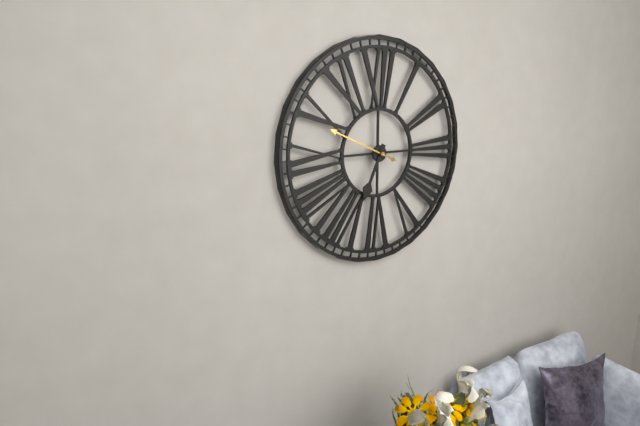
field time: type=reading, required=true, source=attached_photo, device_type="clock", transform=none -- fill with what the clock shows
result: 6:49
